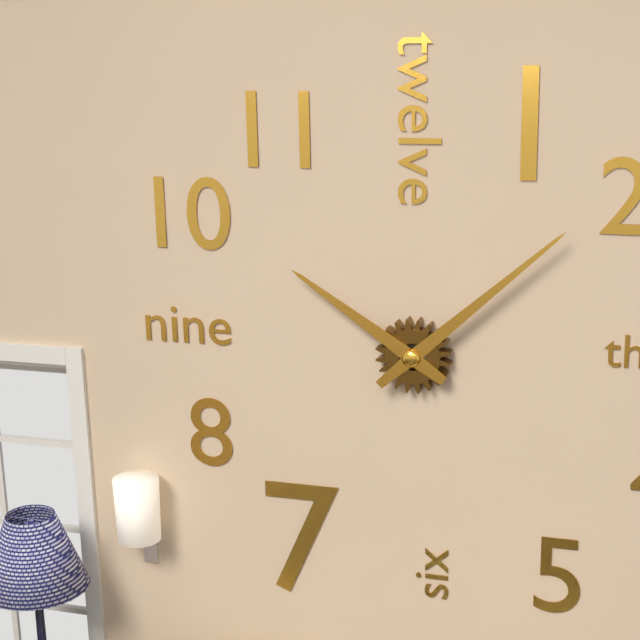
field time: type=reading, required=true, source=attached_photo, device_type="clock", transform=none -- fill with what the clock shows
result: 10:08
